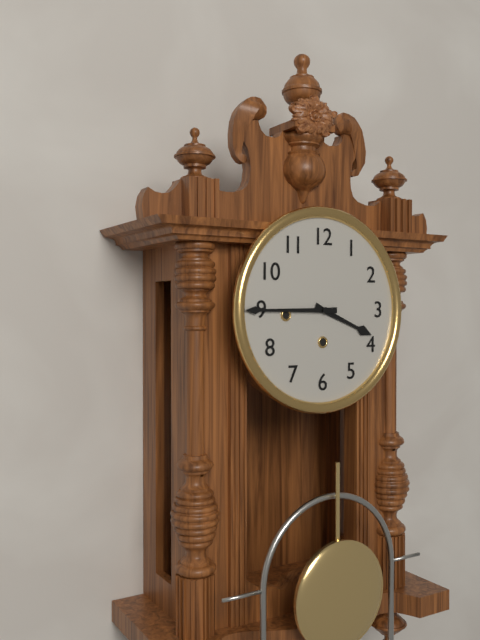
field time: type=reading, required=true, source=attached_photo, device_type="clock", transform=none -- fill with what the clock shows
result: 3:45
